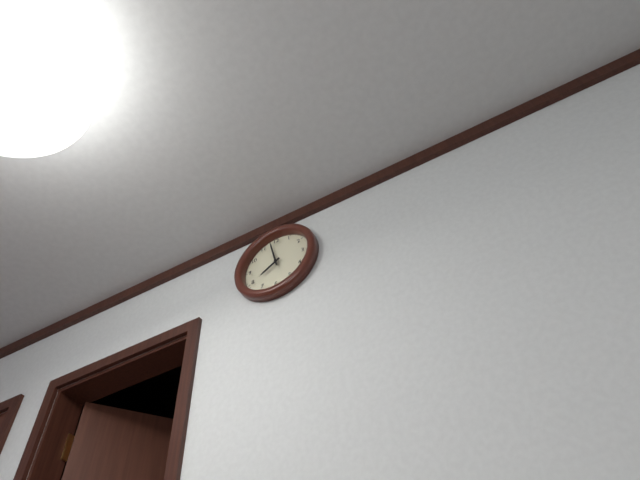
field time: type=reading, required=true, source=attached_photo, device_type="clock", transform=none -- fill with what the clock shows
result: 7:58
